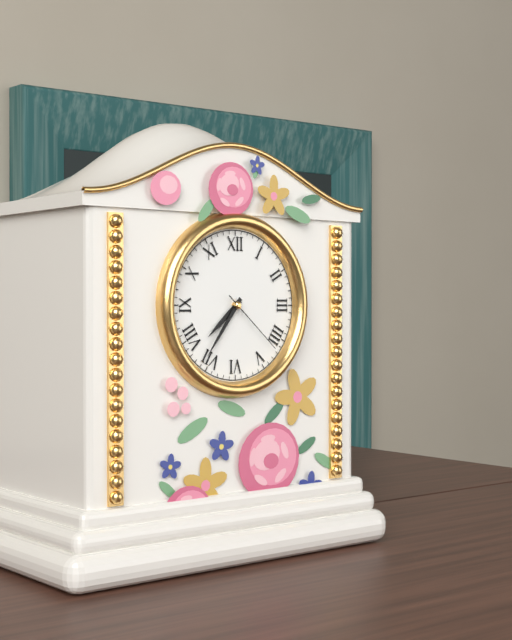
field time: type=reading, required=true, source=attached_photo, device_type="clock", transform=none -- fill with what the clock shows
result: 7:36:22
